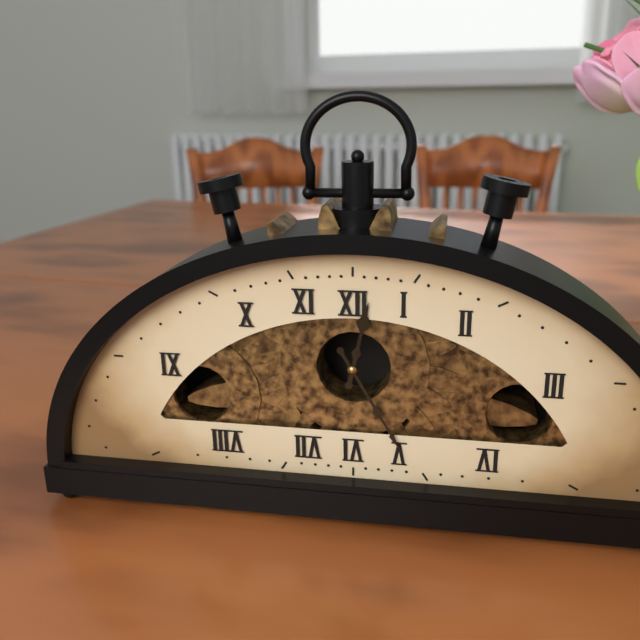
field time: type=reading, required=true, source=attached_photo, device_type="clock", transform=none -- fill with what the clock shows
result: 12:25
